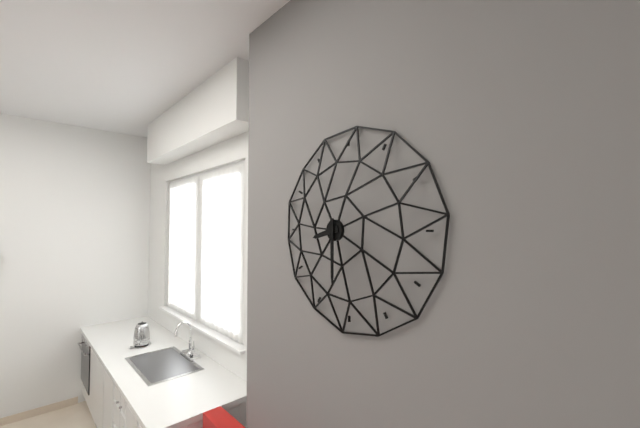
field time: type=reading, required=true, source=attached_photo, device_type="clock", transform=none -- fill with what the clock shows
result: 8:30
